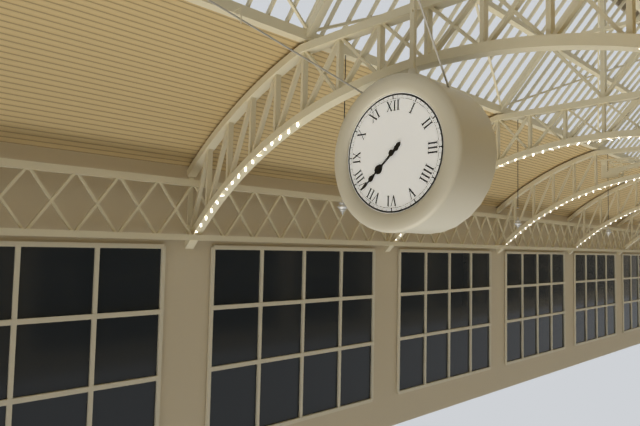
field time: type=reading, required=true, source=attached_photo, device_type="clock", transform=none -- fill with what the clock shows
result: 7:38
